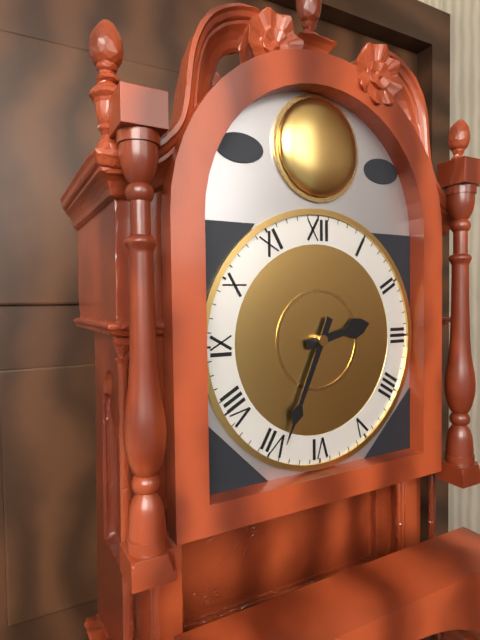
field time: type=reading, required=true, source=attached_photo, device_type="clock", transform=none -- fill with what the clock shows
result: 2:34
